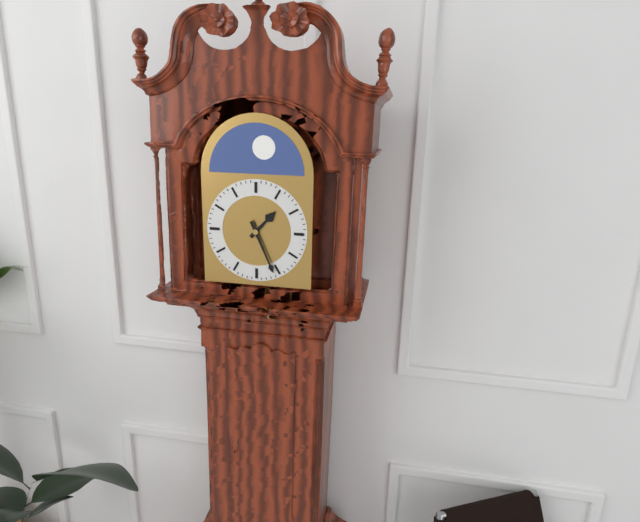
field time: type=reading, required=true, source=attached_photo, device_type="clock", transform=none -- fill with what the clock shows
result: 1:26
